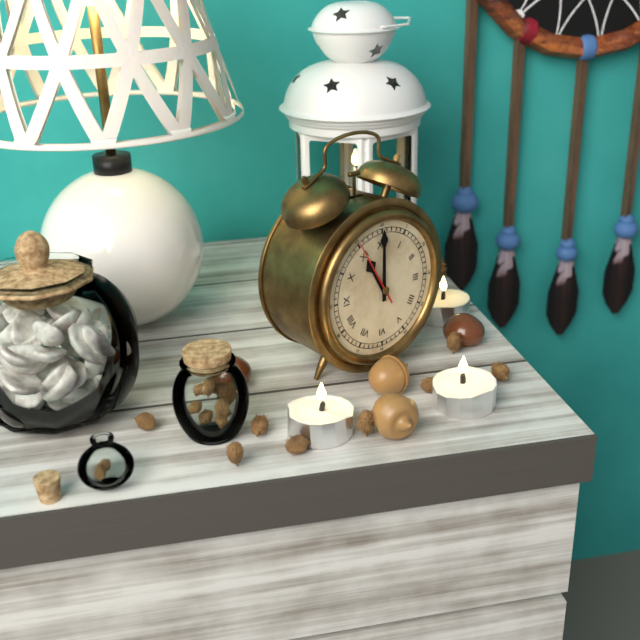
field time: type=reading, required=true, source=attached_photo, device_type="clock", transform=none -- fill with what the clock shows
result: 11:00:55
